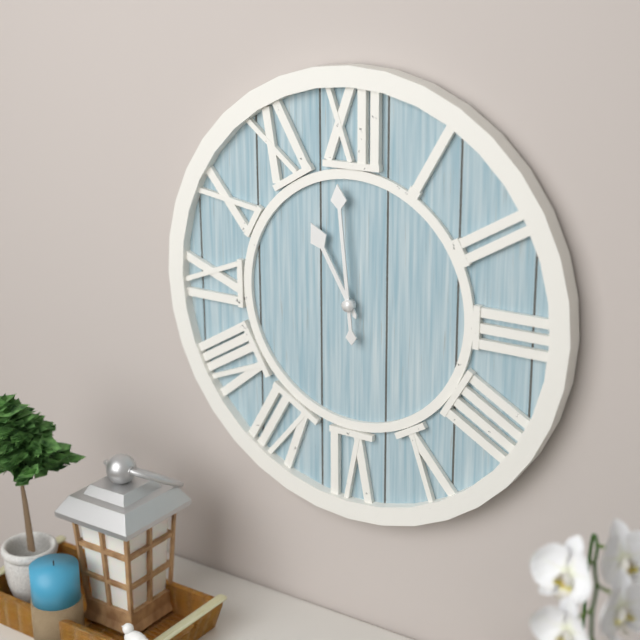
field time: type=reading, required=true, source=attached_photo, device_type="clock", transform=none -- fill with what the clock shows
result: 10:59
